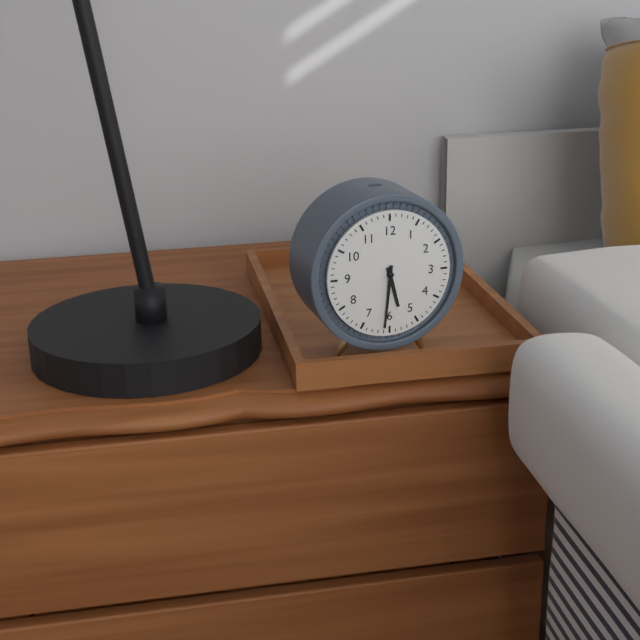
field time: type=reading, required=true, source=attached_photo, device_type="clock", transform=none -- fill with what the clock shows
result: 5:31
